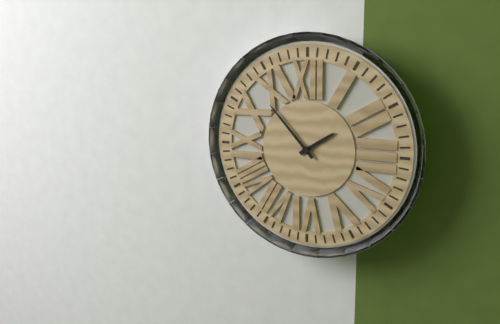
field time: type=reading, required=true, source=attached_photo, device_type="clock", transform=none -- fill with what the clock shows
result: 1:53
